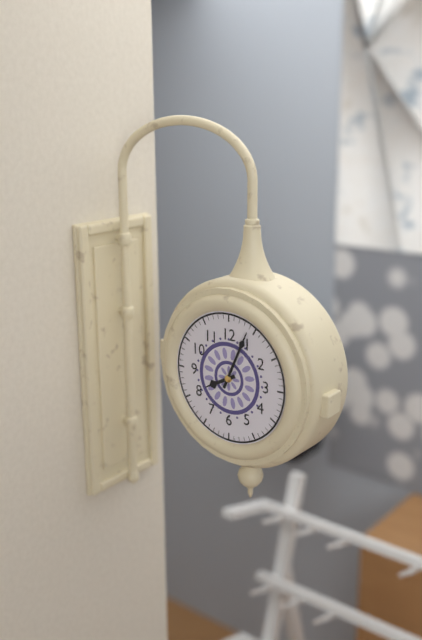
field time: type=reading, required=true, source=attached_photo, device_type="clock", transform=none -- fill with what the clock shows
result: 8:04
